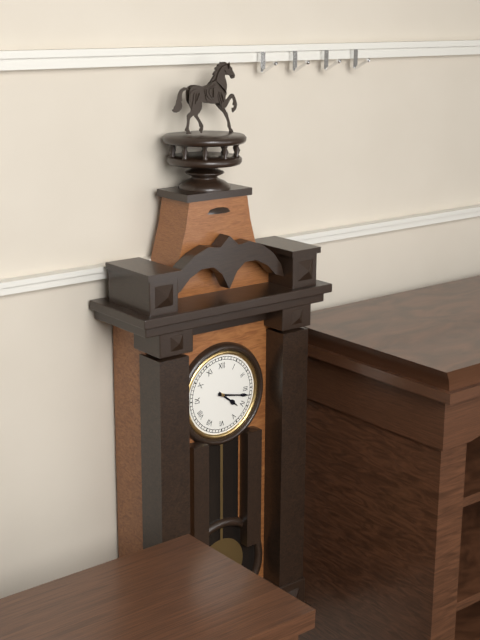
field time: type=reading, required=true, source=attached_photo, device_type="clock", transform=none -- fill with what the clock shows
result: 4:17
